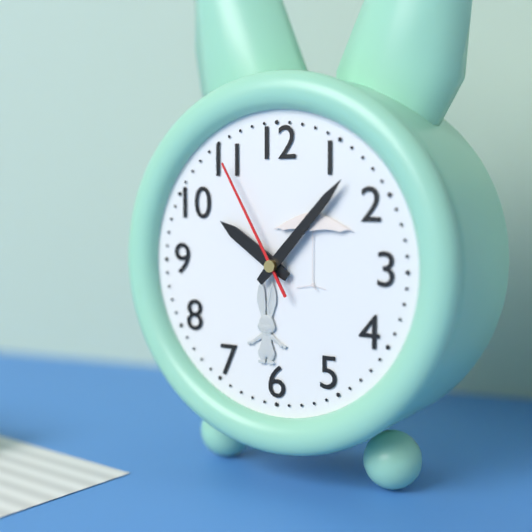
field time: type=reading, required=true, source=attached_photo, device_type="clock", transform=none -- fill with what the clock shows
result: 10:07:55
